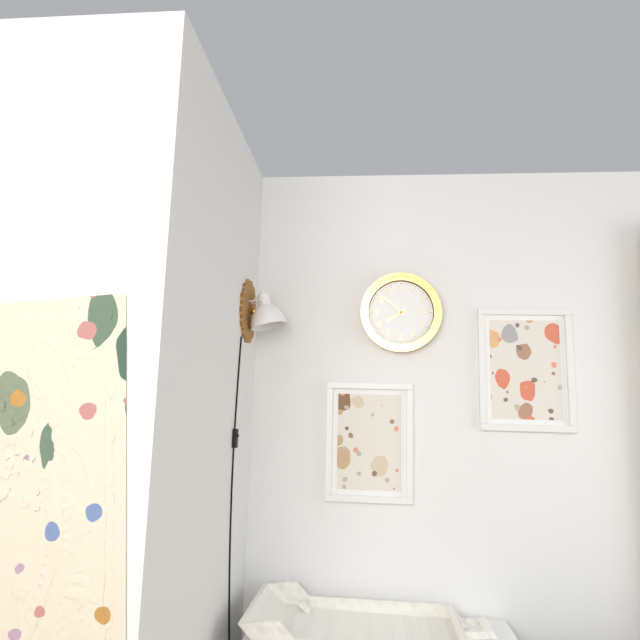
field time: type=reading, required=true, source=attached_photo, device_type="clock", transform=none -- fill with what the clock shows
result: 7:52
